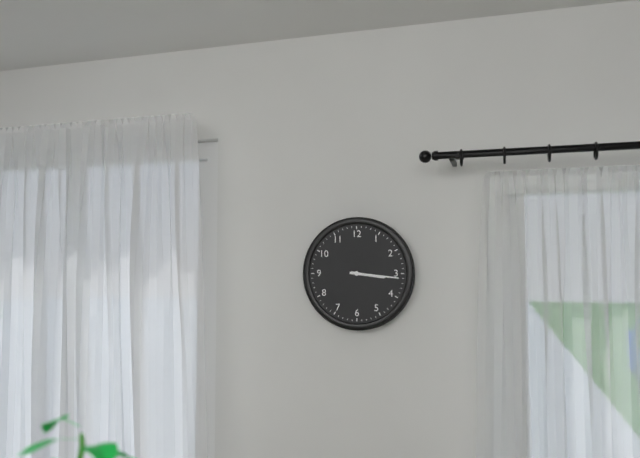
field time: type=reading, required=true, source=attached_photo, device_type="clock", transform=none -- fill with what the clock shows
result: 3:16
